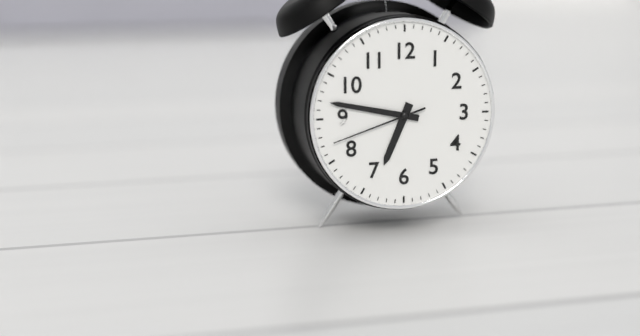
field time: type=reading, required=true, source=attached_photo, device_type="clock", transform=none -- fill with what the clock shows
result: 6:47:42
